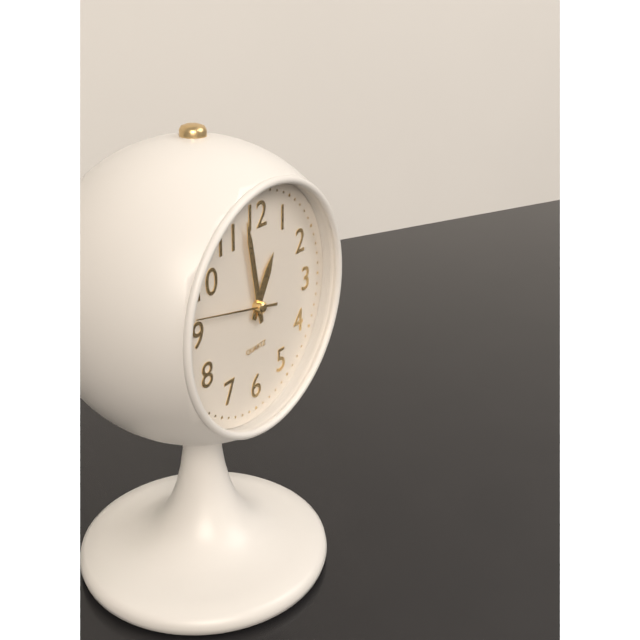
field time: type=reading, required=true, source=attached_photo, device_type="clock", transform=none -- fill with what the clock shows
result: 12:58:47
